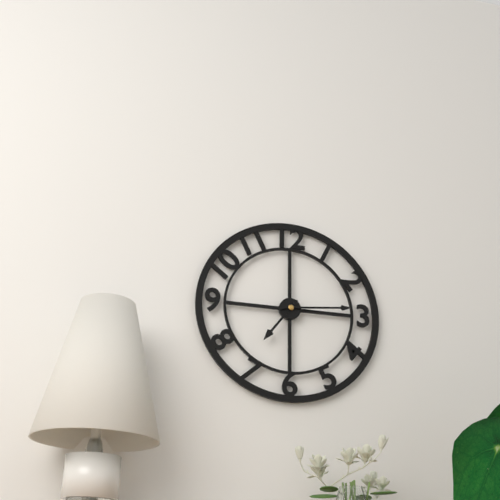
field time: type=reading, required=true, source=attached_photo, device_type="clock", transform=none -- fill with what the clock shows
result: 7:14
